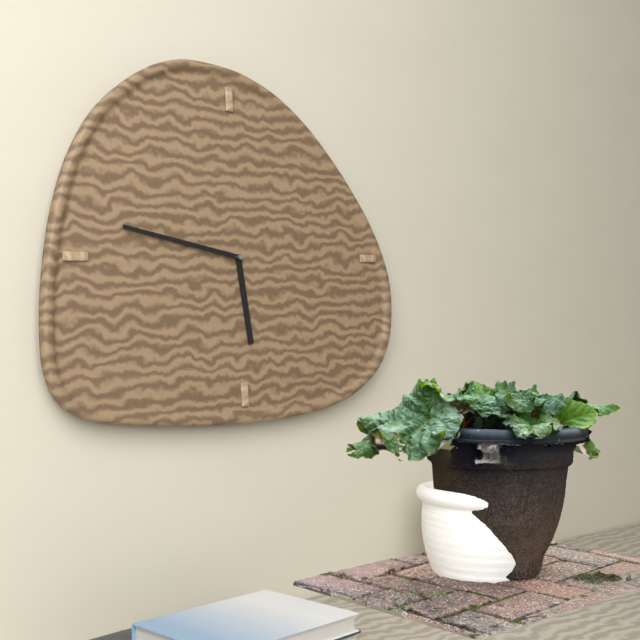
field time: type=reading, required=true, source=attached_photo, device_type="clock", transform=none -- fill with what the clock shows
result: 5:47
